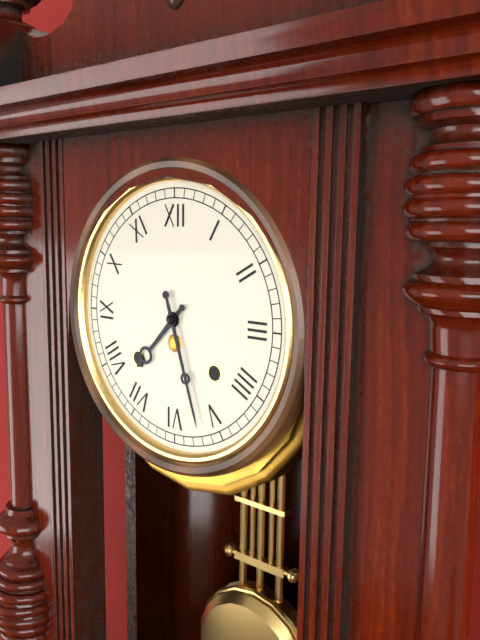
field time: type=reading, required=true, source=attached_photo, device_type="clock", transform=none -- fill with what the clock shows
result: 7:27
